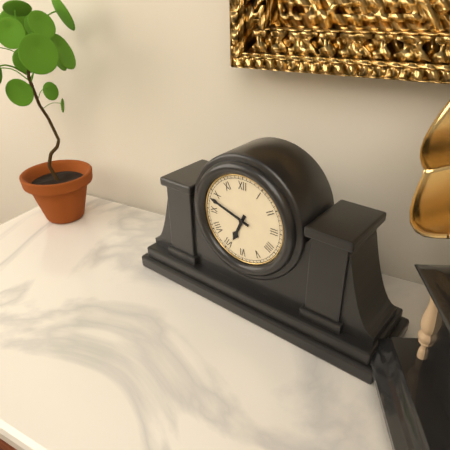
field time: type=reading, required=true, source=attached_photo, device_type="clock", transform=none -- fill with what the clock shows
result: 6:48
